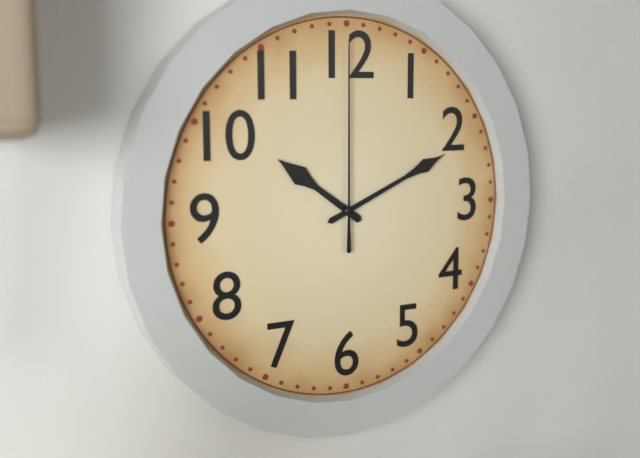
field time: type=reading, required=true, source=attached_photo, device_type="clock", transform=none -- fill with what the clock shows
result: 10:11:00
